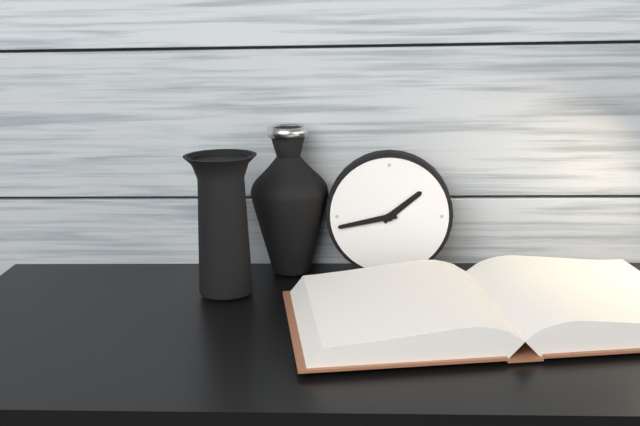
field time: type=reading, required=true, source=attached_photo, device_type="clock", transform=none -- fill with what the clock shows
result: 1:43
